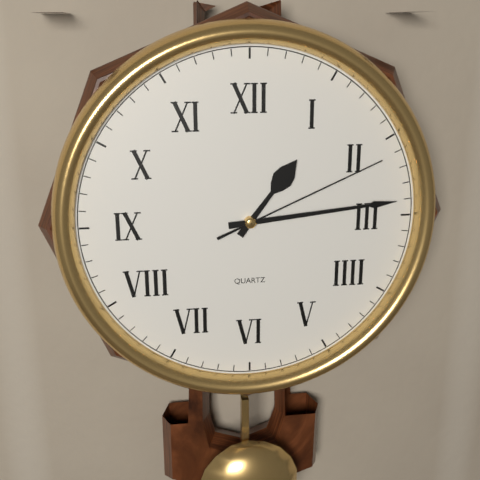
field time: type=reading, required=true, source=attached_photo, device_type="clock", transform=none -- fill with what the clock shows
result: 1:14:11
